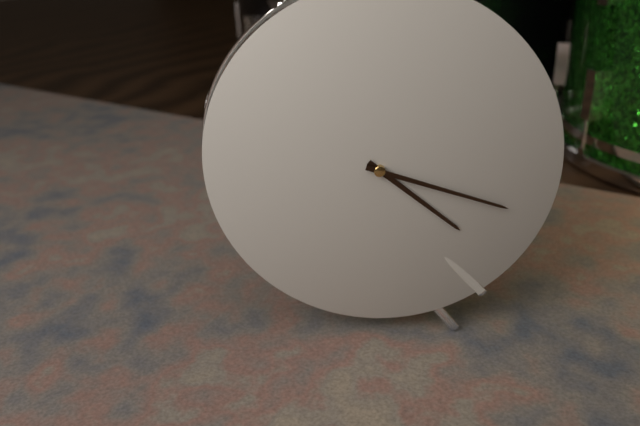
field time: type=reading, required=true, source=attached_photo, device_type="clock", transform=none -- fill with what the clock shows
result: 4:18
